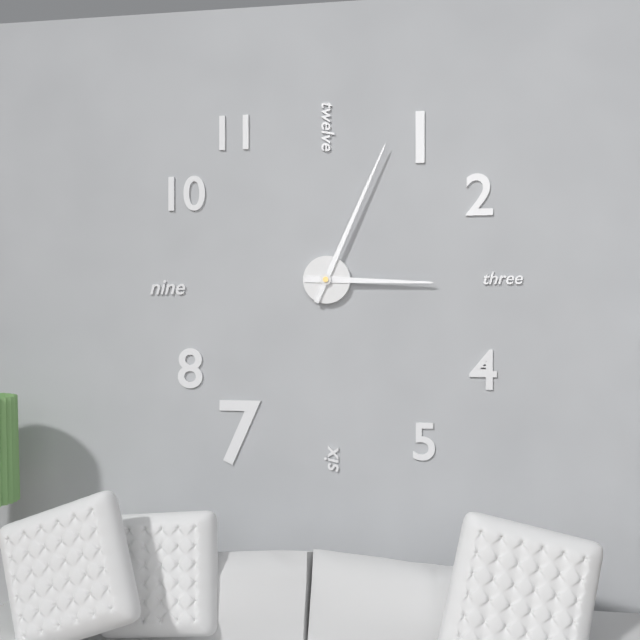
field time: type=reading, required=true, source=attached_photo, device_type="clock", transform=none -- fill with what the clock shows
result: 3:04
